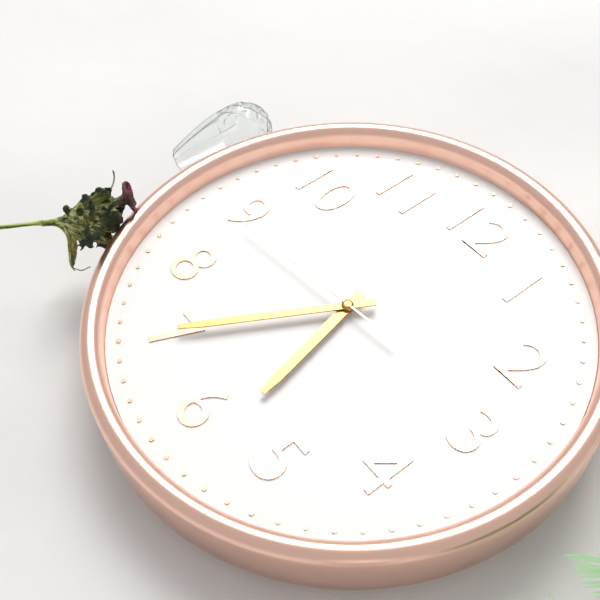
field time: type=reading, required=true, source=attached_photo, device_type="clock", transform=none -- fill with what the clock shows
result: 5:35:44
